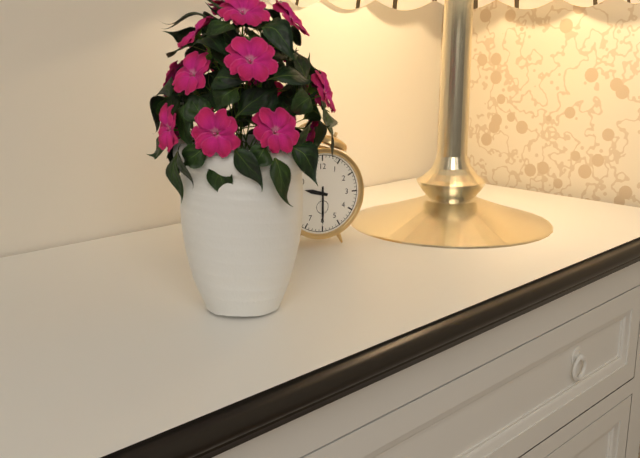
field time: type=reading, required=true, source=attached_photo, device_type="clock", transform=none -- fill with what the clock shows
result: 9:30
